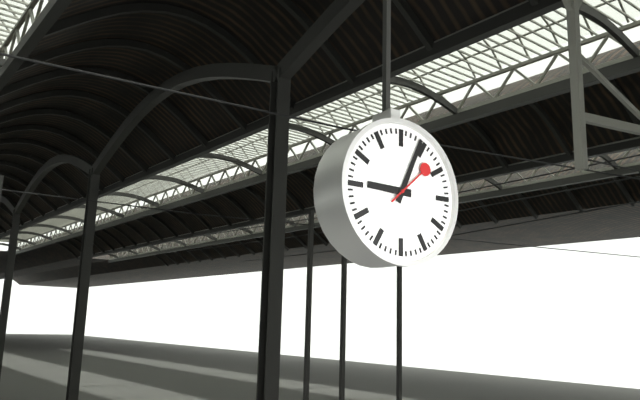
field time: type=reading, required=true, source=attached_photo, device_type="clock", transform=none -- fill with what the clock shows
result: 9:04
